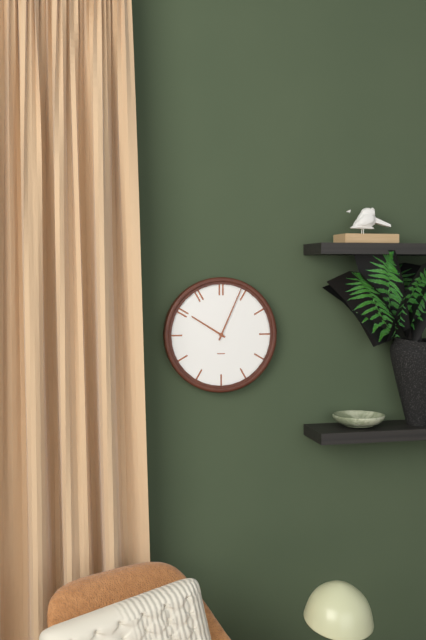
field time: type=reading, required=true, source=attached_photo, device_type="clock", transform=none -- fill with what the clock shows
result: 10:04
